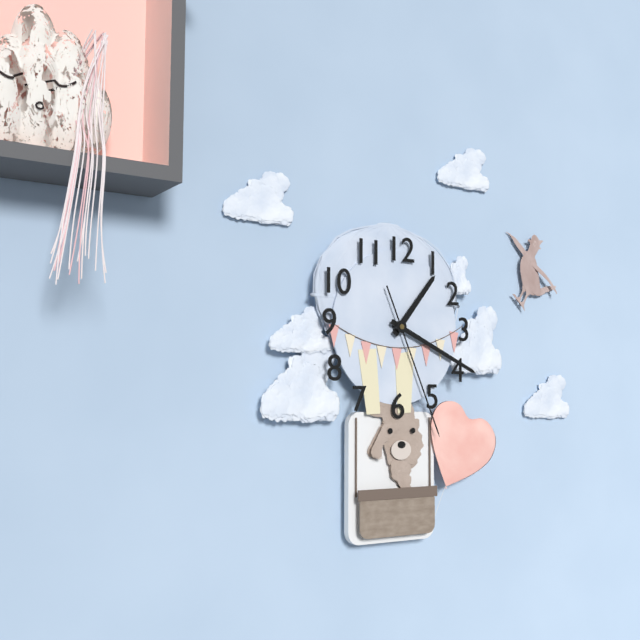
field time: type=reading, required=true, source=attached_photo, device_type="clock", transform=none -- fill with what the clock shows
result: 1:19:26
